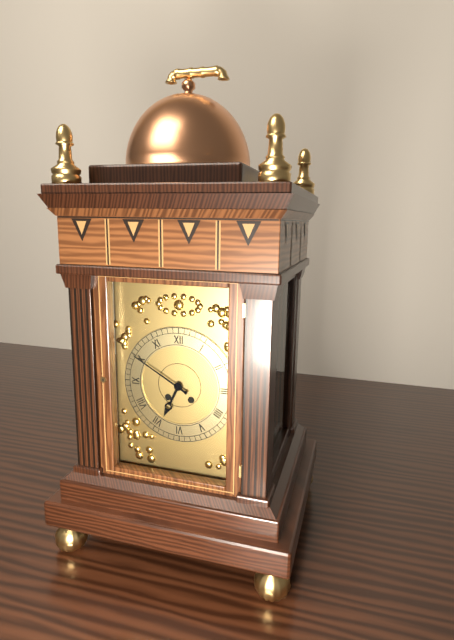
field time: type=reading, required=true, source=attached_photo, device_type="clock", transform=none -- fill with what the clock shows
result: 6:50
